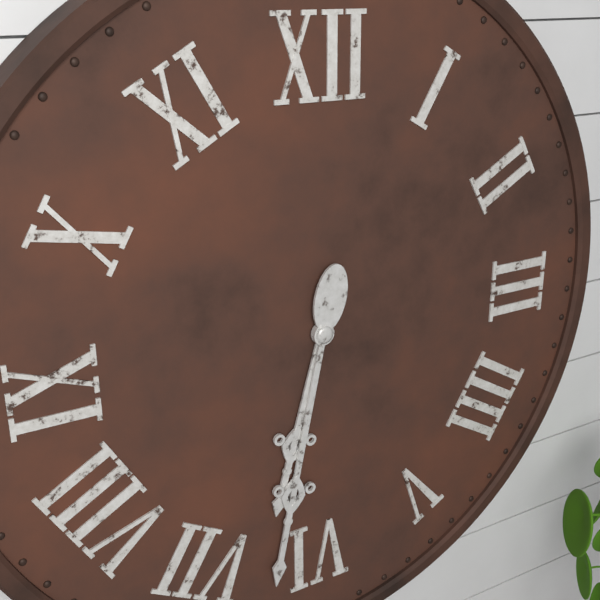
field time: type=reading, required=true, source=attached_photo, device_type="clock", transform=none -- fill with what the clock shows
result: 6:32
